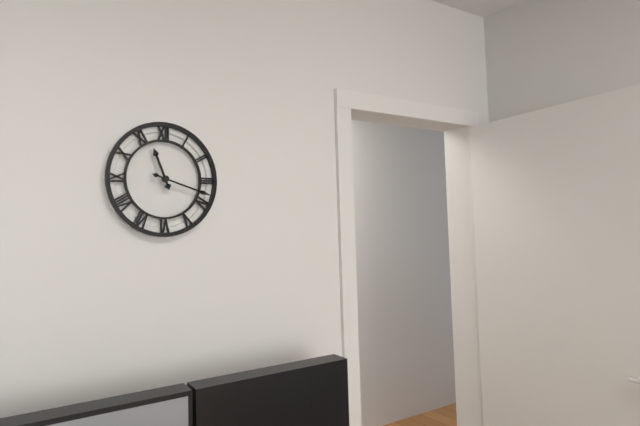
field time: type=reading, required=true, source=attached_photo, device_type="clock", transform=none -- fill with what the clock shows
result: 11:18
